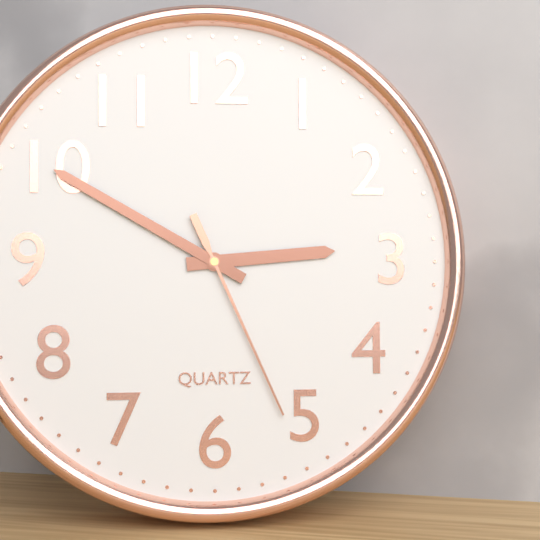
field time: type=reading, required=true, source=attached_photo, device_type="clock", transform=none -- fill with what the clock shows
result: 2:50:26
